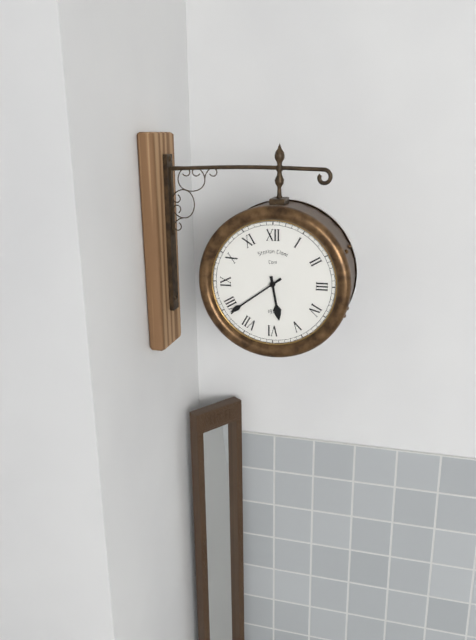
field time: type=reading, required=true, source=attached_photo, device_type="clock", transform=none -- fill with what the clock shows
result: 5:39
